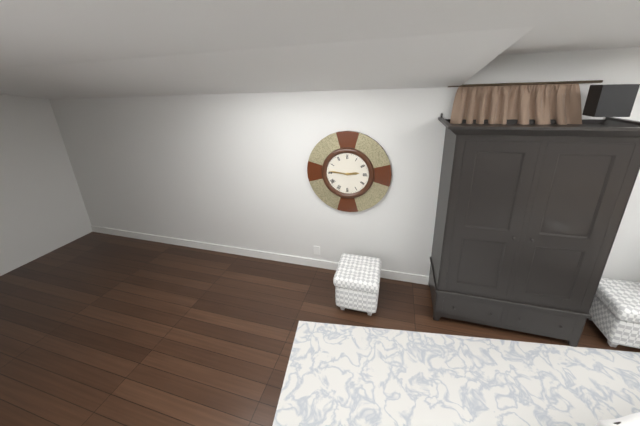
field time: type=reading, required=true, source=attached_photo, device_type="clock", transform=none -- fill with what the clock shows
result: 2:46
